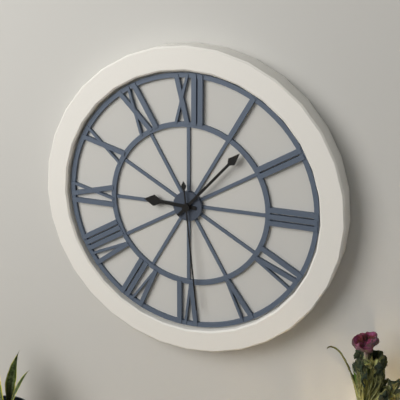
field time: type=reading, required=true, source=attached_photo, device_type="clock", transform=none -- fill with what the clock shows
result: 9:07:29
